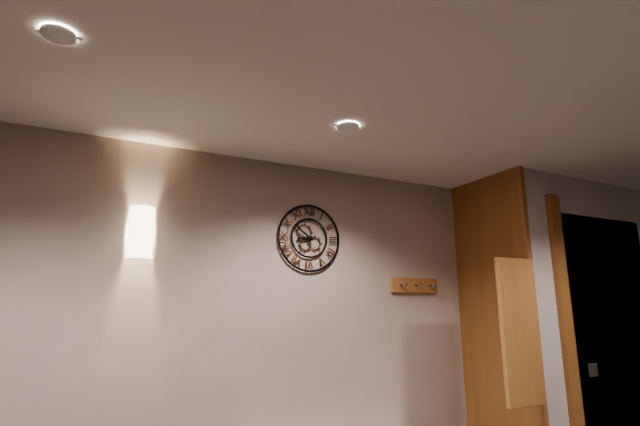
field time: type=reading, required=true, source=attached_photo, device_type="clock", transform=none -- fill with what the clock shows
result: 8:51
